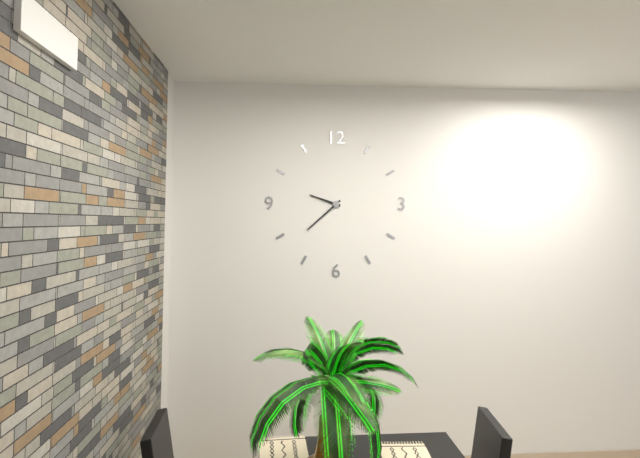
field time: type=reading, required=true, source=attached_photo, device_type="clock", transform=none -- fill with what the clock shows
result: 9:38
